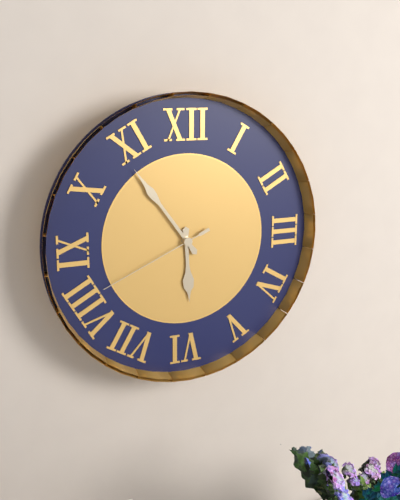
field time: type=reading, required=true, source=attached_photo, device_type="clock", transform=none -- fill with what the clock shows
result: 5:54:41
